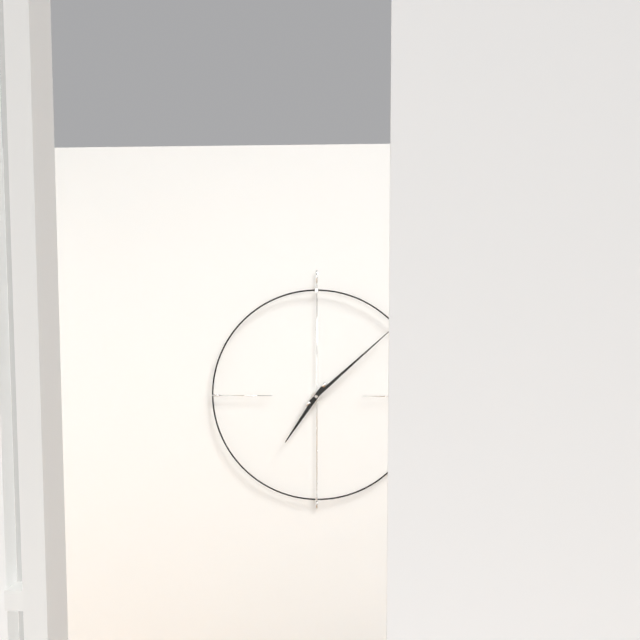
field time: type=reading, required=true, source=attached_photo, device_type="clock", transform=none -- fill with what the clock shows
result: 7:08
